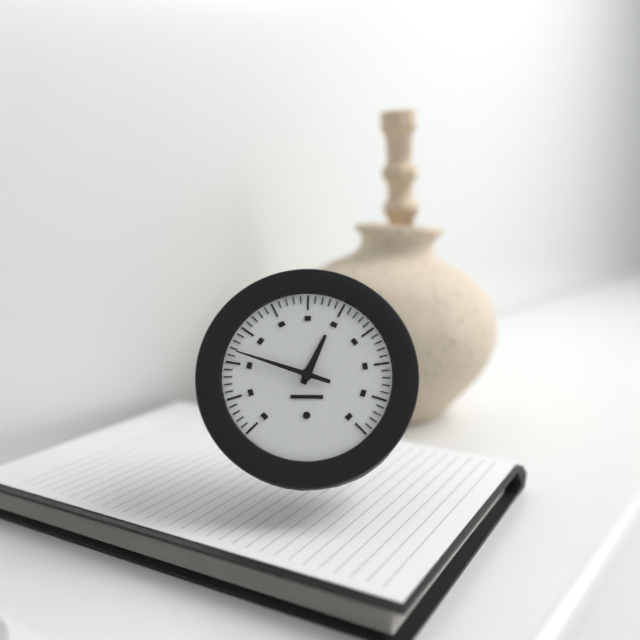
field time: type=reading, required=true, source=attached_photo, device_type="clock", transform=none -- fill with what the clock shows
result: 12:48
